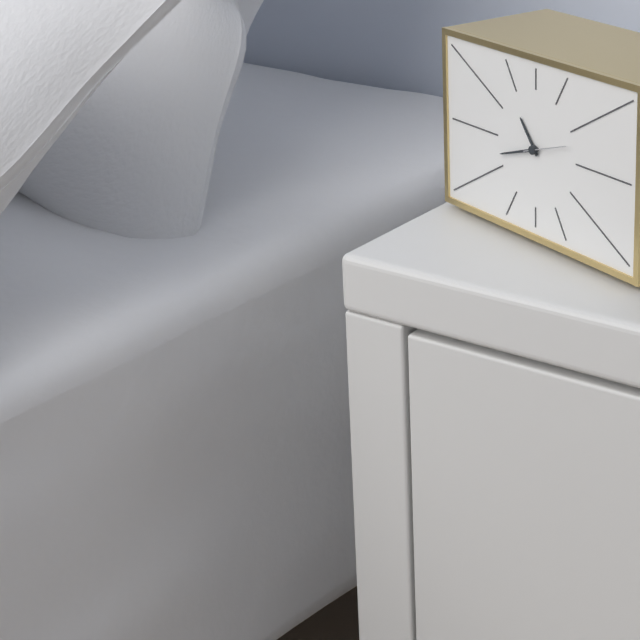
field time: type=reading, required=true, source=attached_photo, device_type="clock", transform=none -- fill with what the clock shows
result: 10:42
